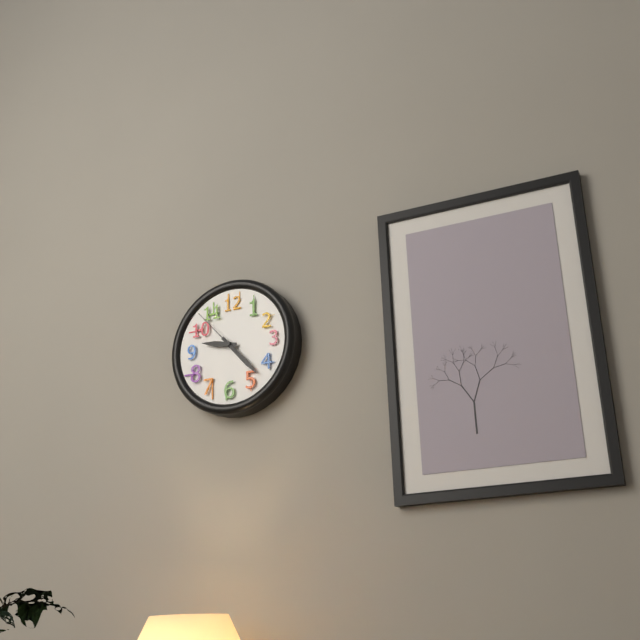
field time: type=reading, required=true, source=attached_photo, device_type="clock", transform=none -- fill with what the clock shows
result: 9:23:53
